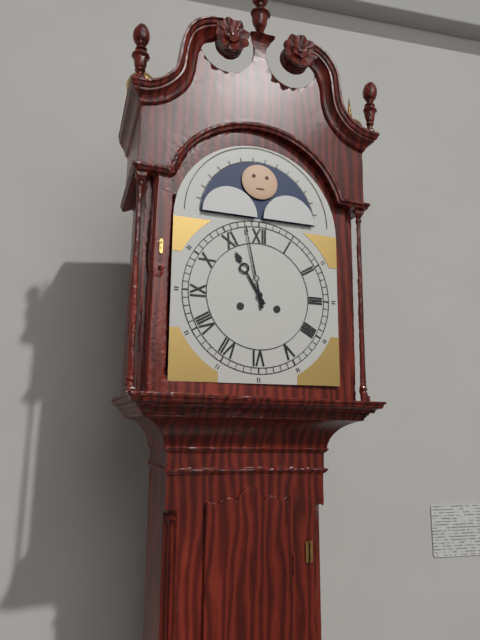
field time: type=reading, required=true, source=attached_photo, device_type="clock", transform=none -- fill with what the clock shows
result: 10:58
